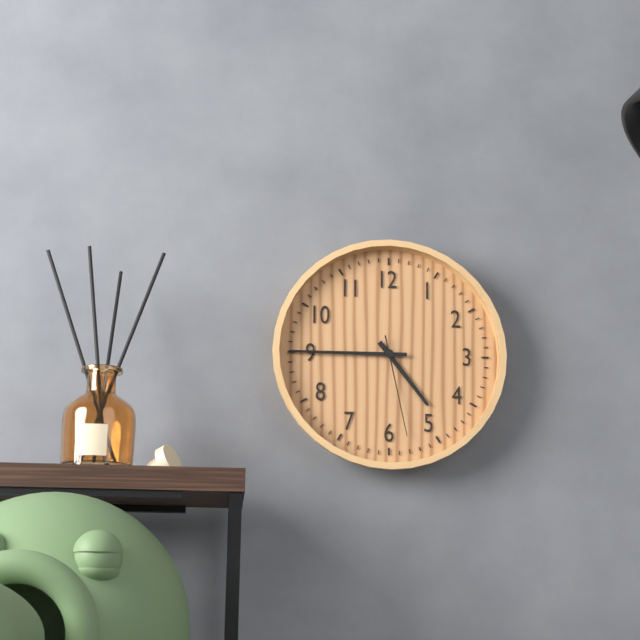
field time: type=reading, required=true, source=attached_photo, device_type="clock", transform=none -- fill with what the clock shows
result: 4:45:28
